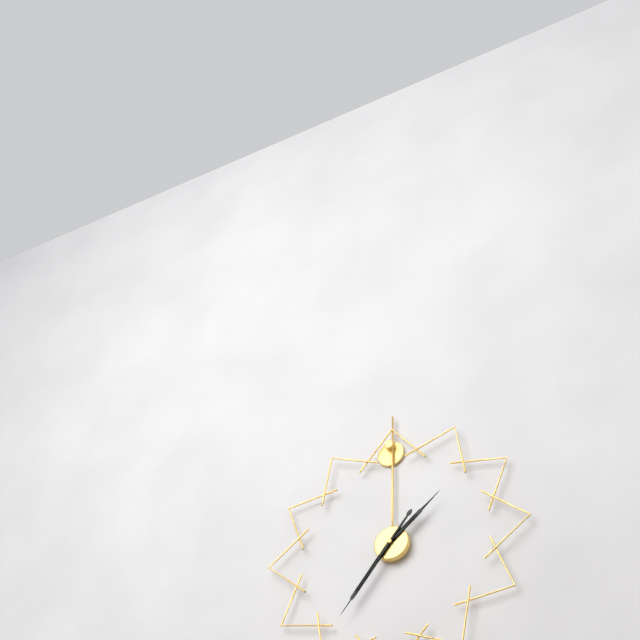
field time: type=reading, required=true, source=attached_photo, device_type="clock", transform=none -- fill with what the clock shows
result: 1:36
